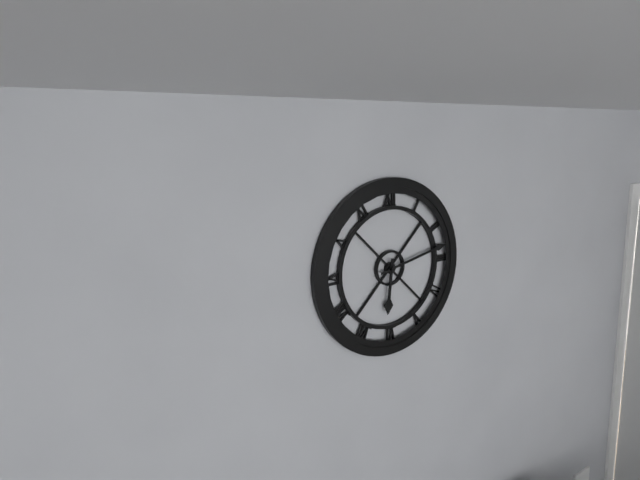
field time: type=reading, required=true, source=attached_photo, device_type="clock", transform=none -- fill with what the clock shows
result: 6:13
